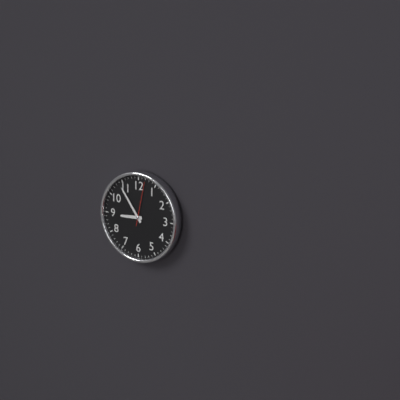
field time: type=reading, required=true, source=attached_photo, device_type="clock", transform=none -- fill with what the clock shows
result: 8:54
